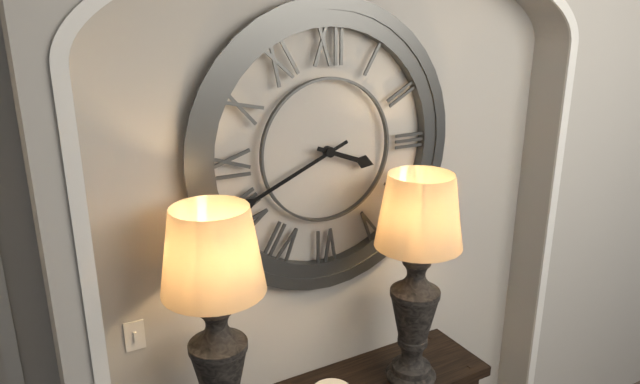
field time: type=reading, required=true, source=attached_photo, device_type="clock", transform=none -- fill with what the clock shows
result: 3:41
